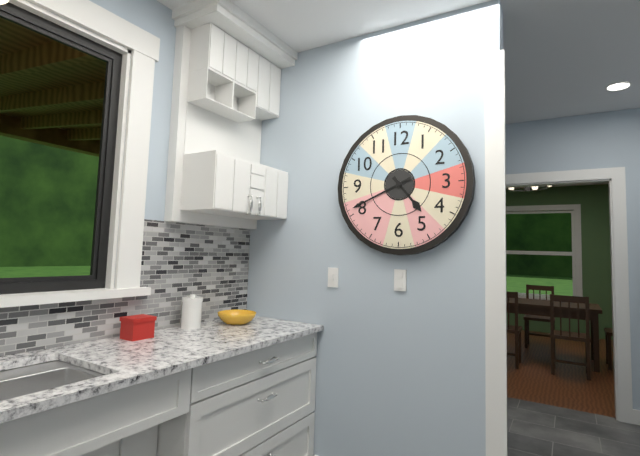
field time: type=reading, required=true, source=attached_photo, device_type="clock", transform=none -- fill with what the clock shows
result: 4:41
